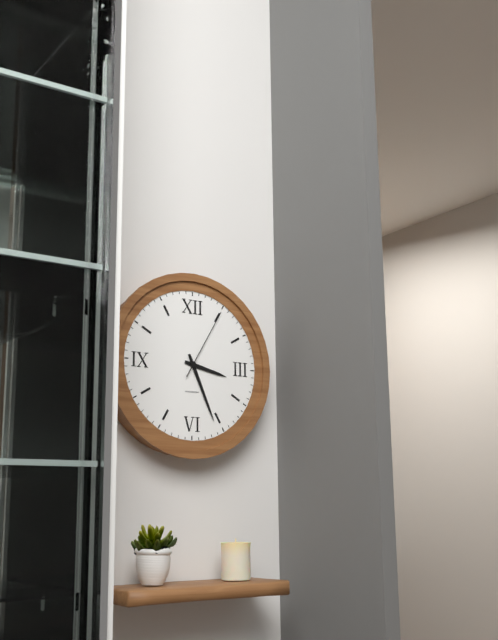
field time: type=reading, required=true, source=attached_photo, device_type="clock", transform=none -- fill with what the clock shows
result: 3:26:05
